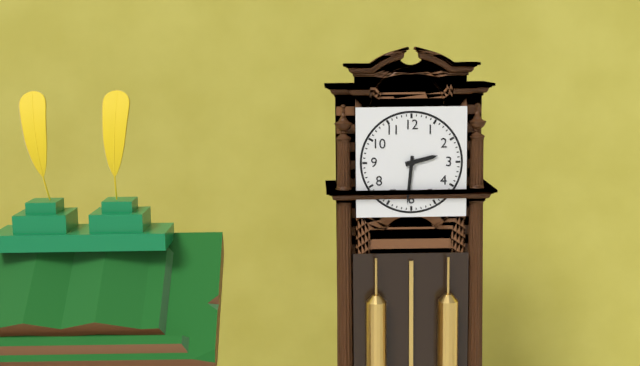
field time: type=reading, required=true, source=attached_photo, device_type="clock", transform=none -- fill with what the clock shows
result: 2:31
